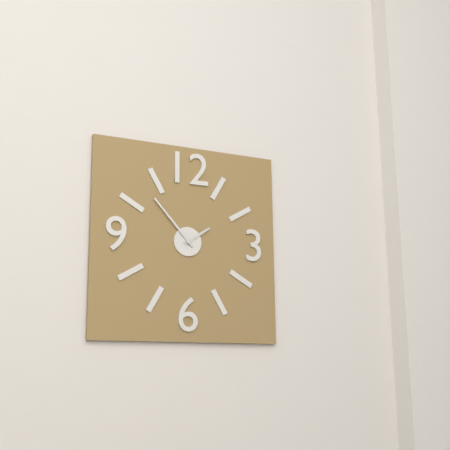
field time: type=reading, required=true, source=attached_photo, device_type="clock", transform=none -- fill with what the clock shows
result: 1:53
